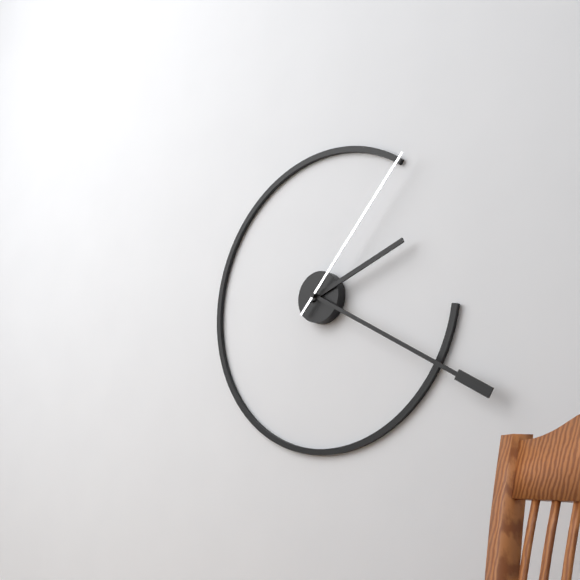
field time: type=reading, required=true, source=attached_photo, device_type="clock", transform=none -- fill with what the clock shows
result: 2:20:07
